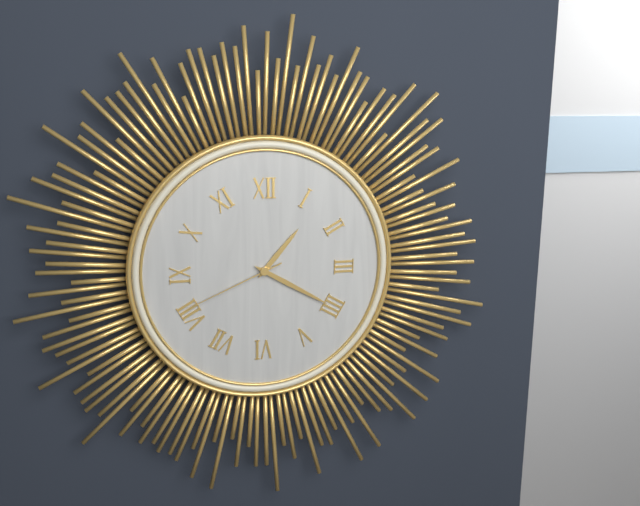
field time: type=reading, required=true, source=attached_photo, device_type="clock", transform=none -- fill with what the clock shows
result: 1:20:41
